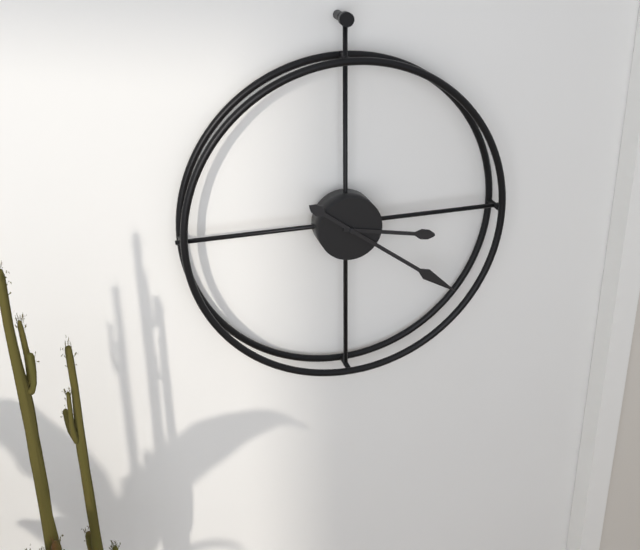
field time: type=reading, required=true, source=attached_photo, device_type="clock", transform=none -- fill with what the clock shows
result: 3:21
